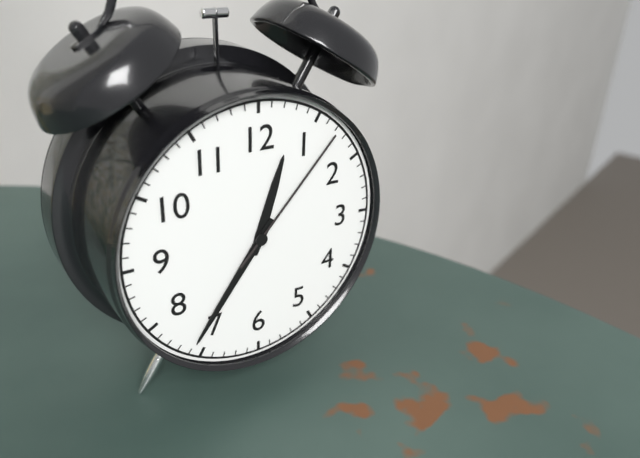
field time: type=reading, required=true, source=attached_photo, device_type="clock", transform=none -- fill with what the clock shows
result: 12:36:07
